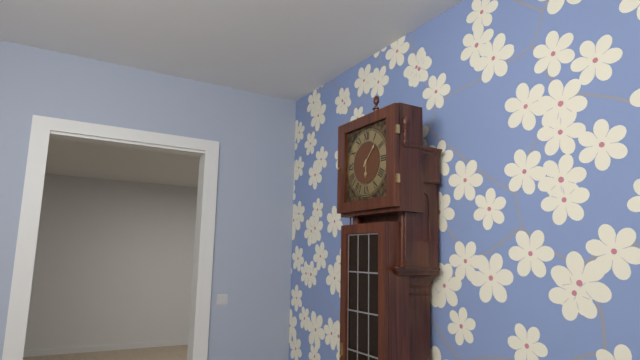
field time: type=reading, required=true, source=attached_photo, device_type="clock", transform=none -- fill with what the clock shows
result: 6:07
